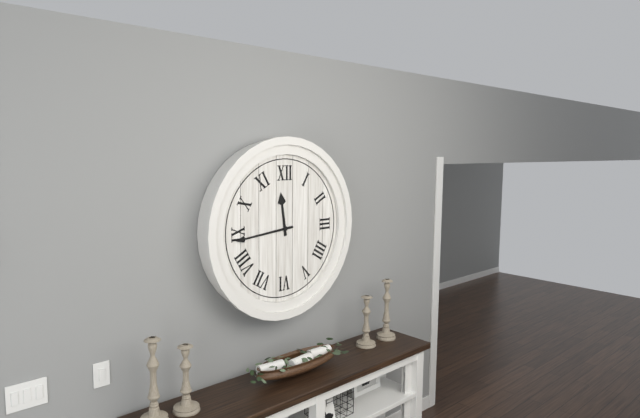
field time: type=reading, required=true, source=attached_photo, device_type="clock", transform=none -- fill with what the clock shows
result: 11:44
